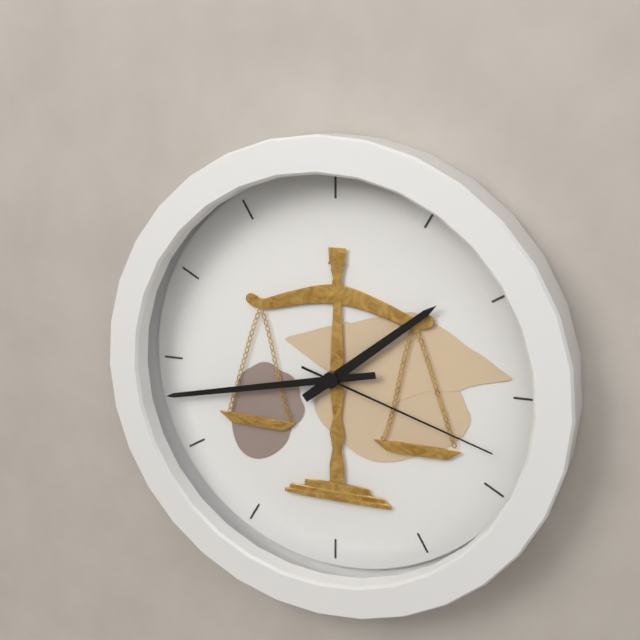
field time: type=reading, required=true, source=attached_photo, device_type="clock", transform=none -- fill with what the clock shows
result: 1:43:18
